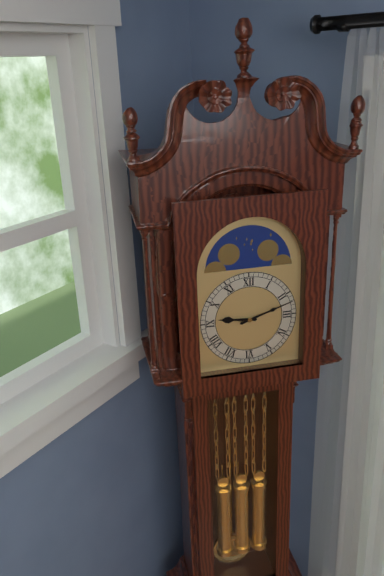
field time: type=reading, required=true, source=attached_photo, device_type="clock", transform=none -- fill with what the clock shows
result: 9:12
